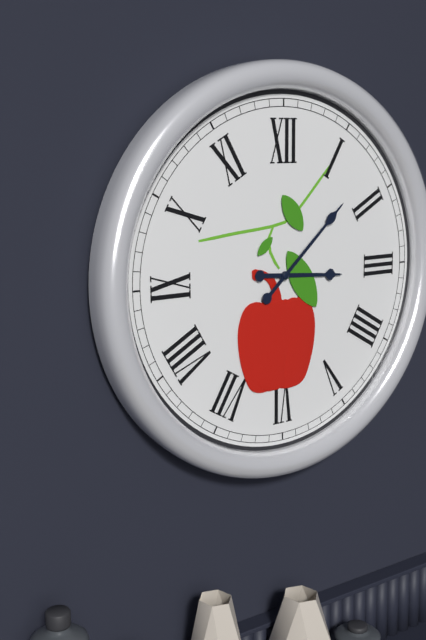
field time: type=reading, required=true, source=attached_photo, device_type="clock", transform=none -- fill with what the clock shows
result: 3:08
